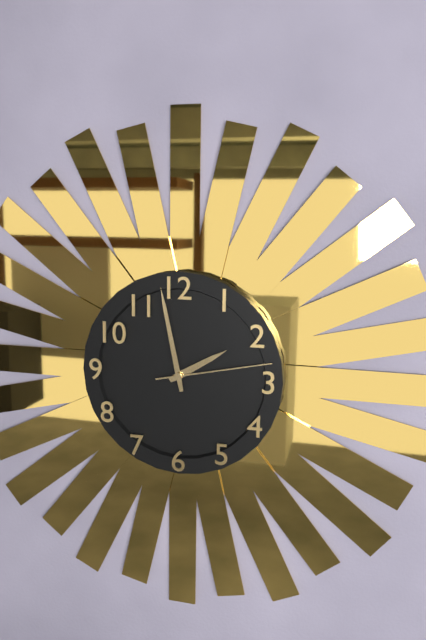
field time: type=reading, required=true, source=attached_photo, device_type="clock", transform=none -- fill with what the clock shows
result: 1:58:13
